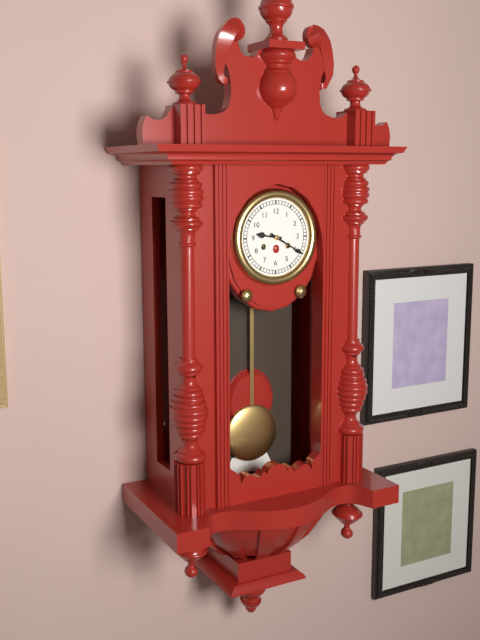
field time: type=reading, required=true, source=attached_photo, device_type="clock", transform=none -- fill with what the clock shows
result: 9:20
